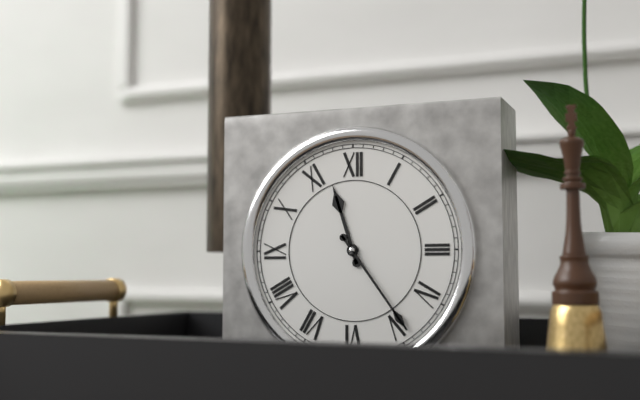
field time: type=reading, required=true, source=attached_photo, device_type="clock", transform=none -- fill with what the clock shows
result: 11:24
